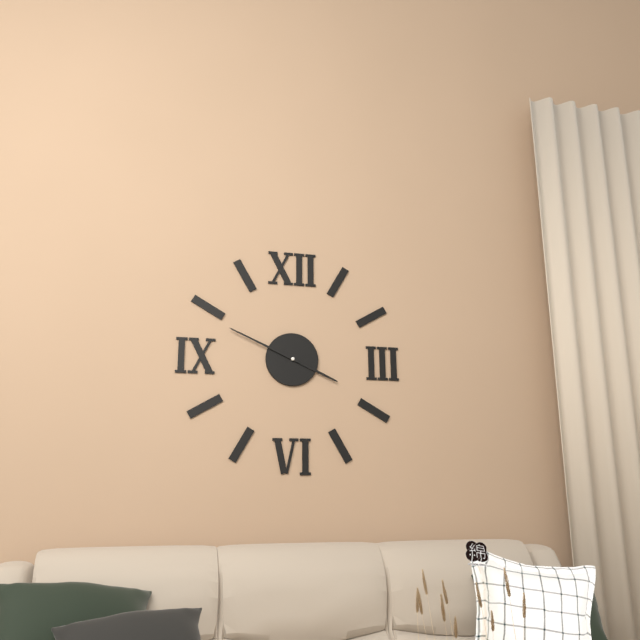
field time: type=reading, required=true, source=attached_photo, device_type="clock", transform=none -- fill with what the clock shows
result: 3:49
